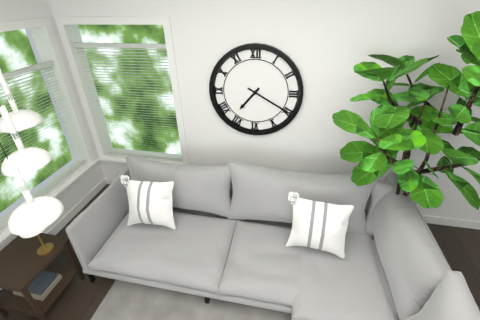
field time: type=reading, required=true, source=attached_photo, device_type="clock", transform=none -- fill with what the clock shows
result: 7:20
